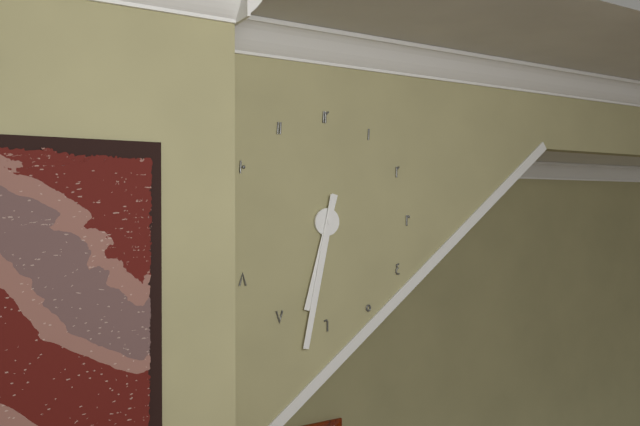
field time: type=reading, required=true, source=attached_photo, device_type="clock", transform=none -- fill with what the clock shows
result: 6:32
